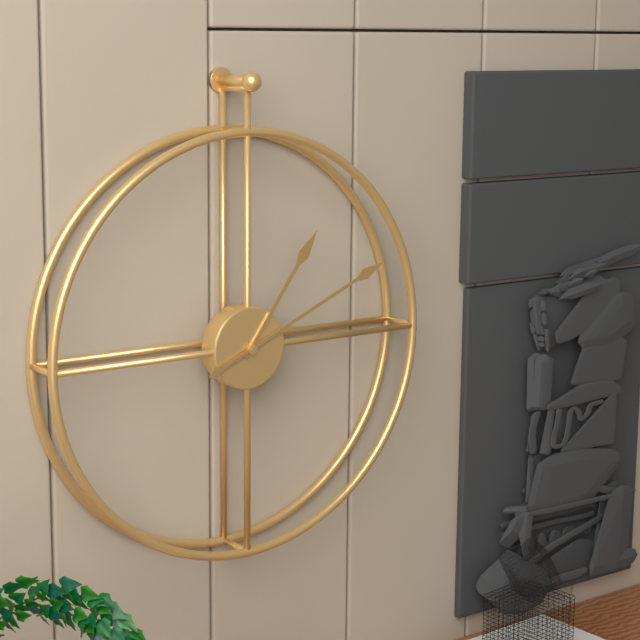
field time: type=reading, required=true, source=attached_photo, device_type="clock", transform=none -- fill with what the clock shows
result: 1:11
